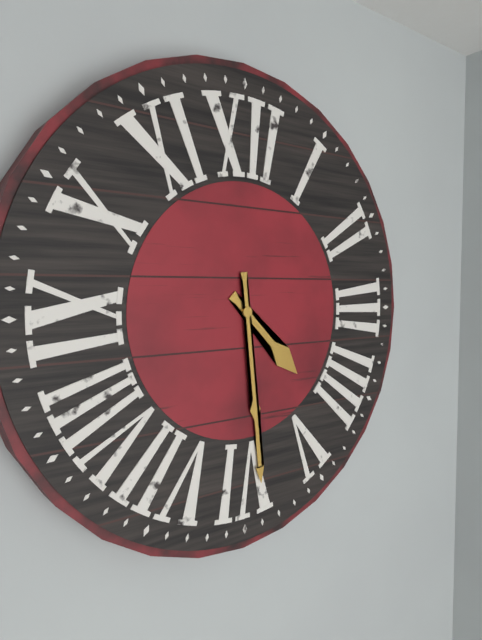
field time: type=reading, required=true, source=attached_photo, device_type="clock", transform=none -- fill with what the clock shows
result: 4:29
